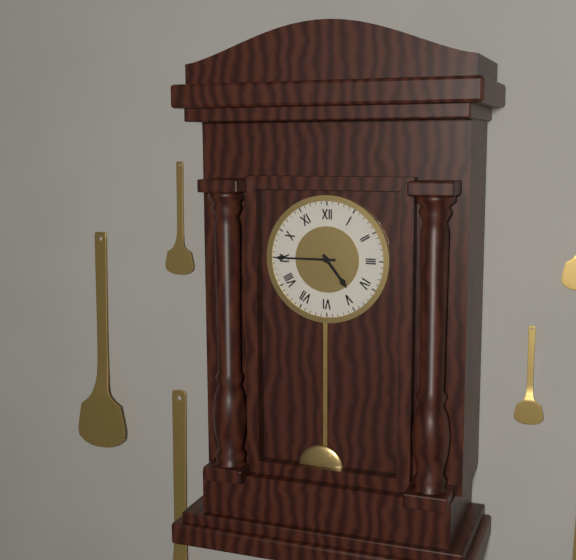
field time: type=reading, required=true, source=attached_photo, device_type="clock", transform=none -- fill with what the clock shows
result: 4:45
